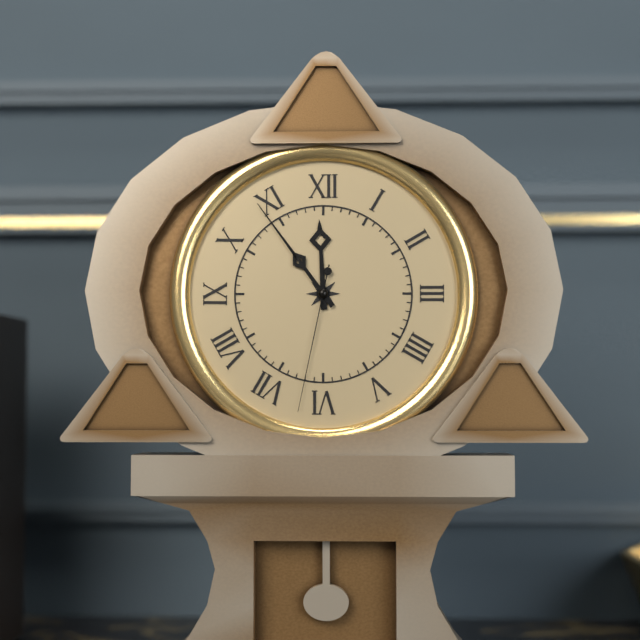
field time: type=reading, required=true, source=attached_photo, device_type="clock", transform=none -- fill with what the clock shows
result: 11:54:32
